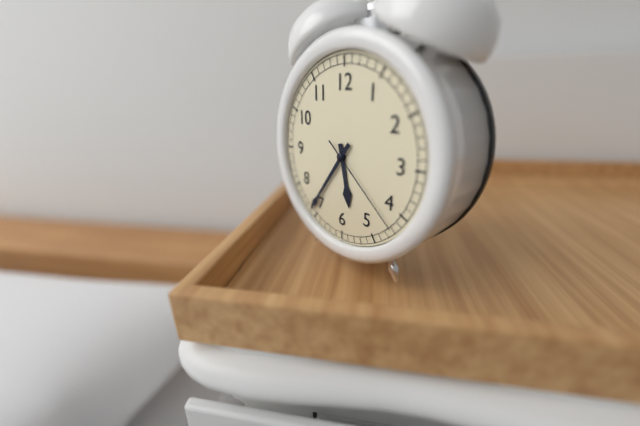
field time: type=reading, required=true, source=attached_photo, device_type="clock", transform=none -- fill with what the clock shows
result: 5:36:22
